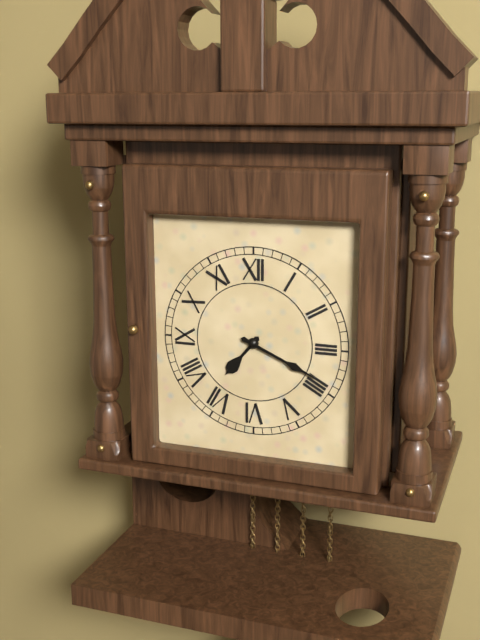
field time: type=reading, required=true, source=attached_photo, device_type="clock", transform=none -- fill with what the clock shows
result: 7:19
